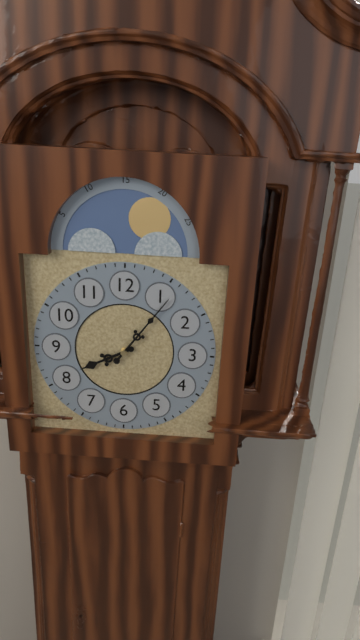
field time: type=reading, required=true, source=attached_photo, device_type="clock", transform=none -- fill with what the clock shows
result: 8:06
